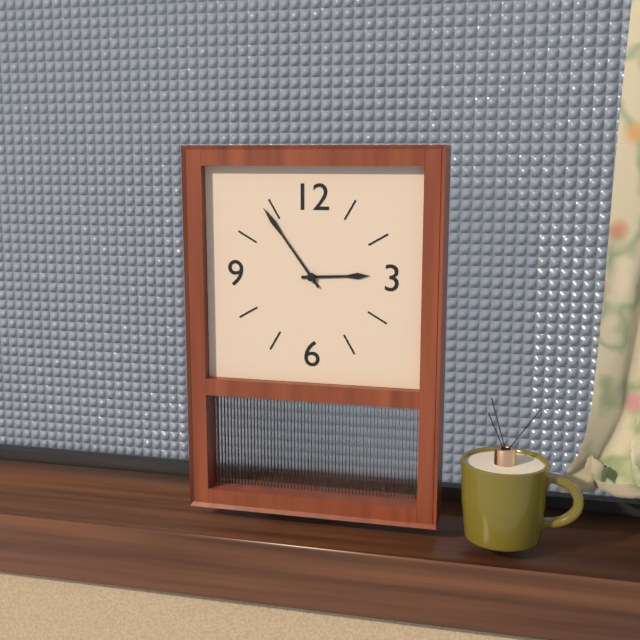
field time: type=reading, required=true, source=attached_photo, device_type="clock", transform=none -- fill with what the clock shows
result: 2:54
